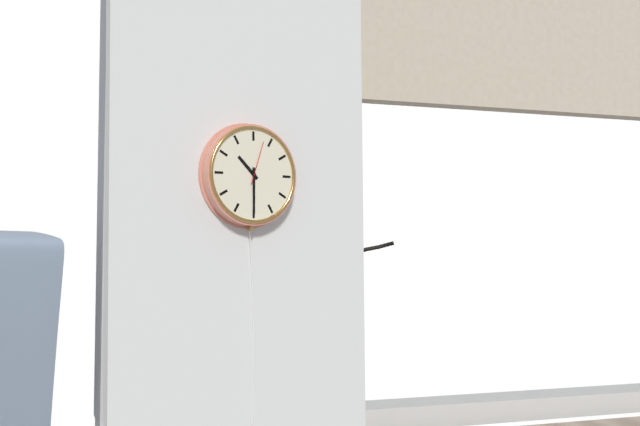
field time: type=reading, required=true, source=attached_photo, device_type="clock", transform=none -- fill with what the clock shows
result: 10:30
